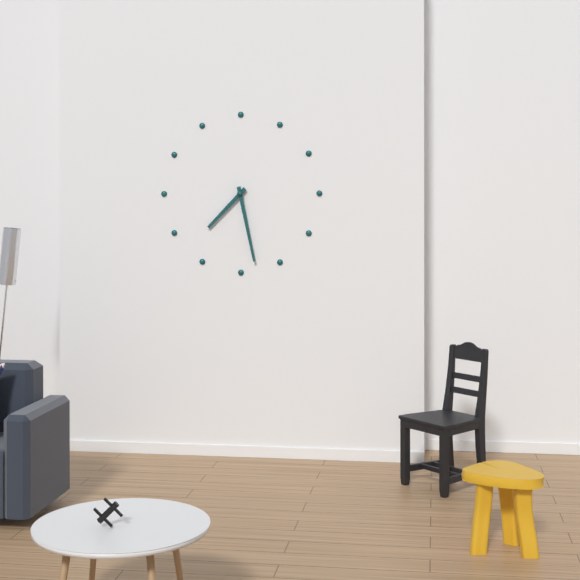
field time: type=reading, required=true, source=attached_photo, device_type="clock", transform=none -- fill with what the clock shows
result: 7:28
